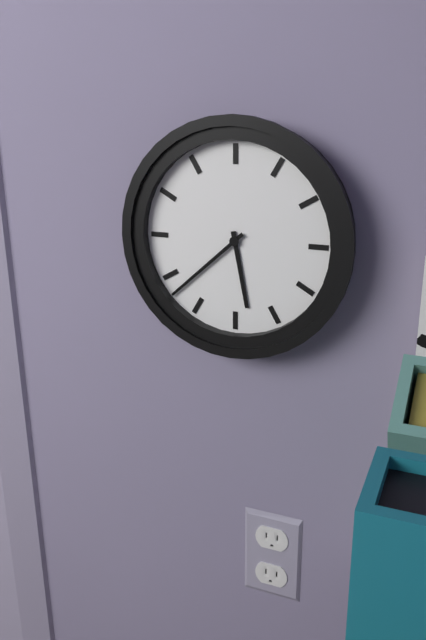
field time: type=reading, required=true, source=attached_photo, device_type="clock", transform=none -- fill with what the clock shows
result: 5:38
